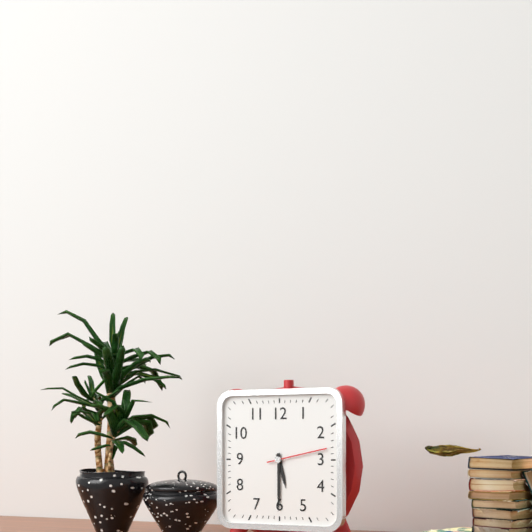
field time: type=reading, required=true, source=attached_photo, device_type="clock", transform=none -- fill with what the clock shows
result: 5:30:13
